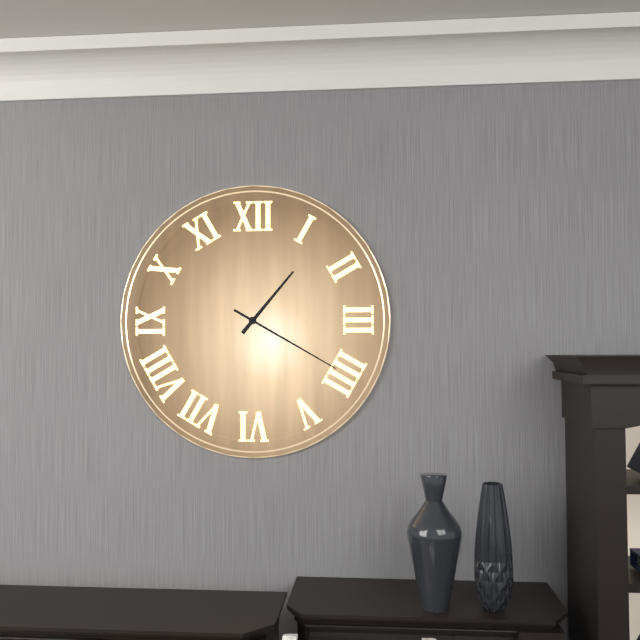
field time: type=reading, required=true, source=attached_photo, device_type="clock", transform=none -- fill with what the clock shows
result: 1:20
